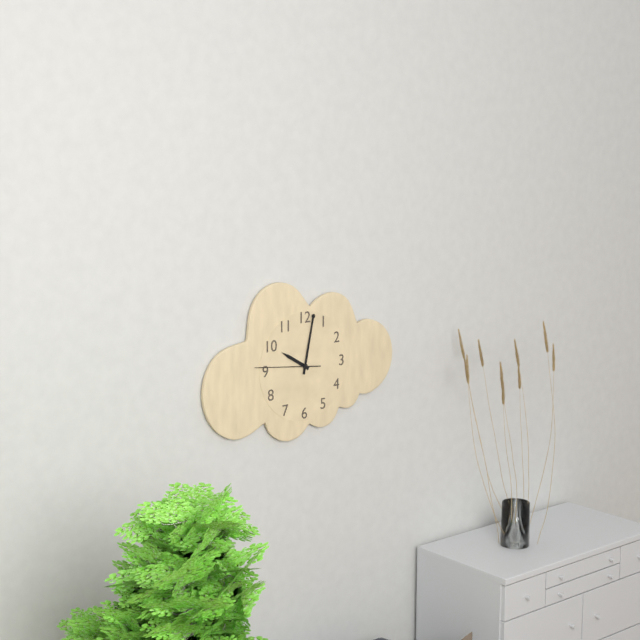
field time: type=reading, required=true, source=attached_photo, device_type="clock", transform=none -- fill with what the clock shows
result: 10:02:46
